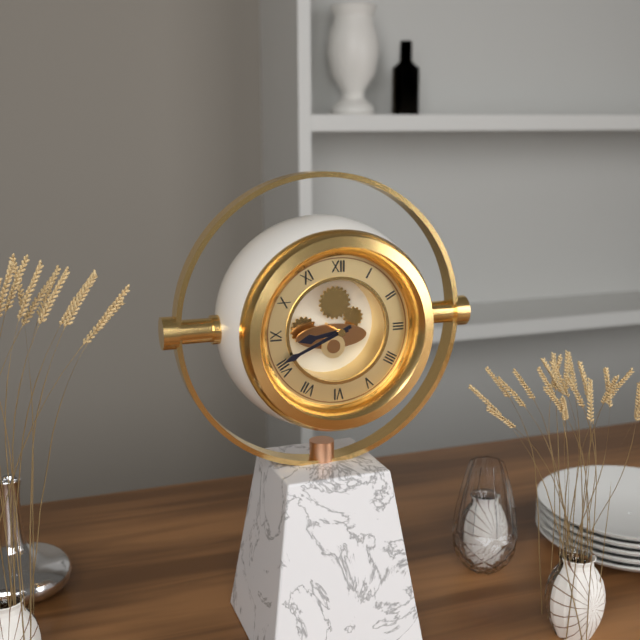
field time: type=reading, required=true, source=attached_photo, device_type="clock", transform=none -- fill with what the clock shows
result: 8:41
